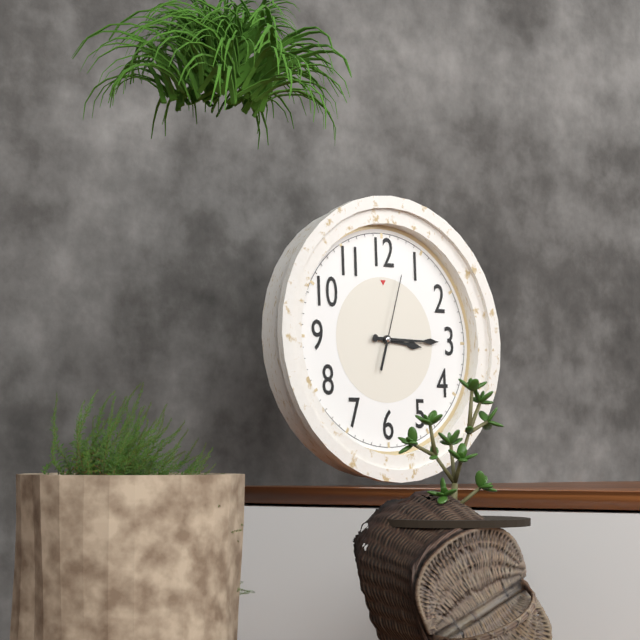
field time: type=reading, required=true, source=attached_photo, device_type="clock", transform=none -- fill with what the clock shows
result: 3:15:03
